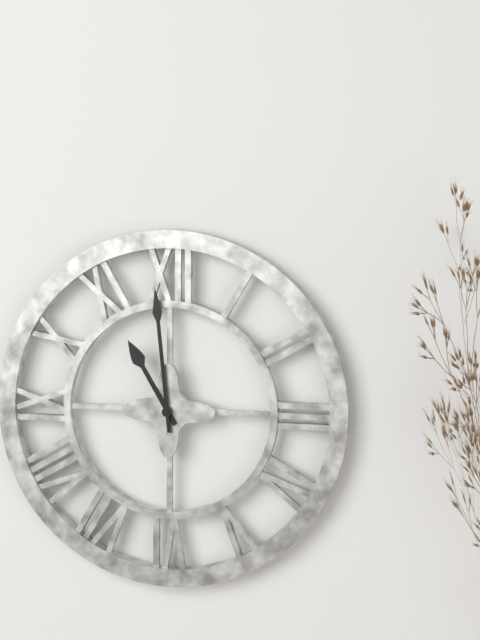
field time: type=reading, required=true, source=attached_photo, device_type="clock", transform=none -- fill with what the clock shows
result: 10:59
